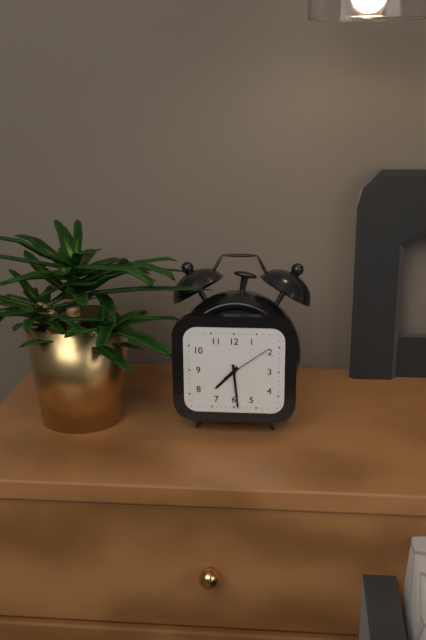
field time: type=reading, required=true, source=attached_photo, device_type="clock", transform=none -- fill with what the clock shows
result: 7:29
